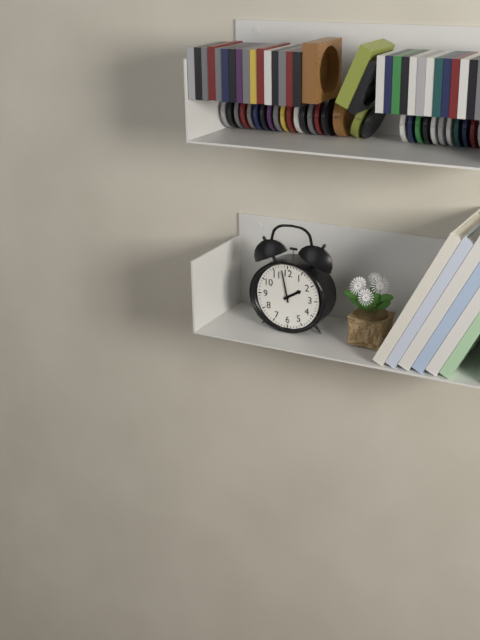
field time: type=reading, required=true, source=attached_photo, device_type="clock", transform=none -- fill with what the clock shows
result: 1:58
